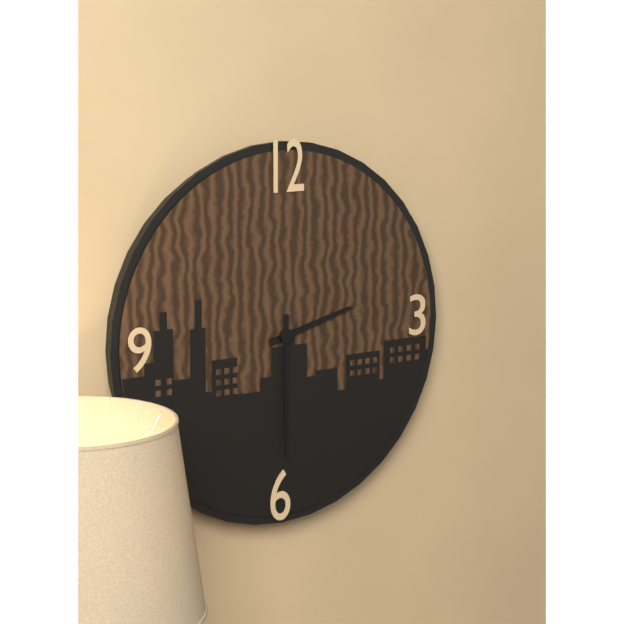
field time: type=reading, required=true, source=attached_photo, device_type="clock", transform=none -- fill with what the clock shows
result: 2:30
